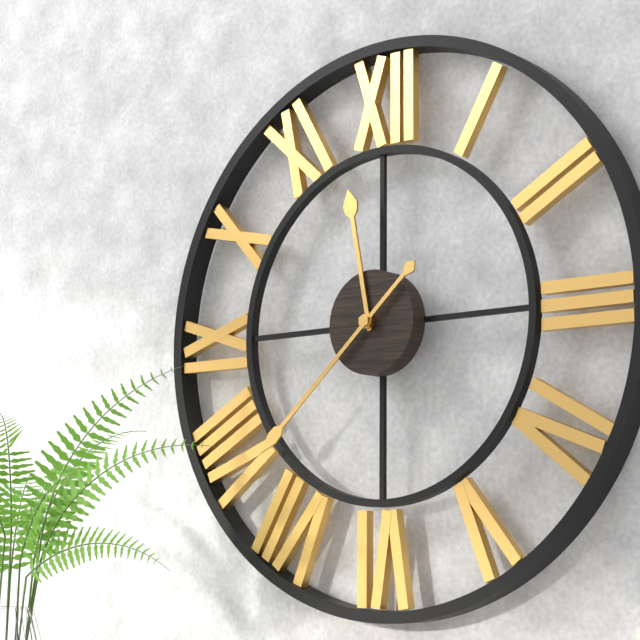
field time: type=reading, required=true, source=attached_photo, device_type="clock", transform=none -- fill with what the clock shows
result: 11:38
